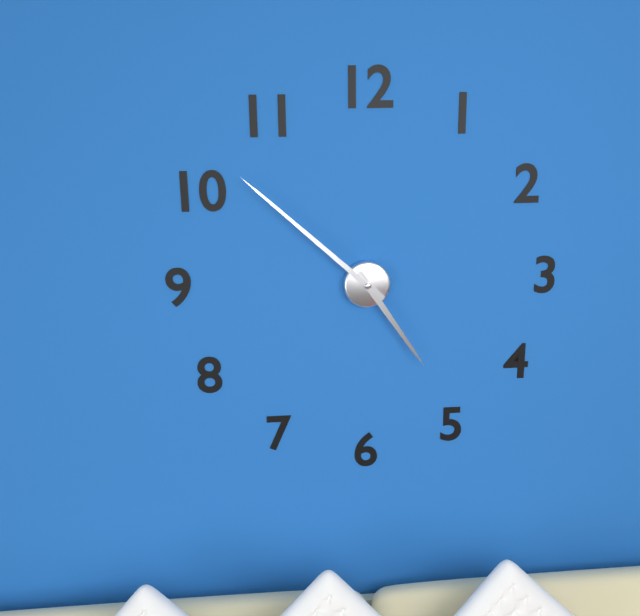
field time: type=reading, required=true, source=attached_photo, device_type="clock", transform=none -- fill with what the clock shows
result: 4:52
